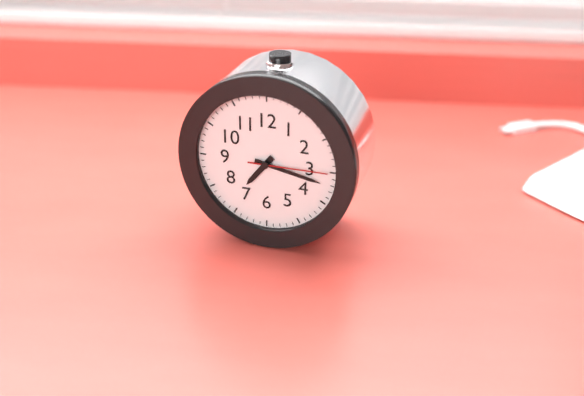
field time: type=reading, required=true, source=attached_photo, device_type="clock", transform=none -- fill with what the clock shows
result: 7:17:15
